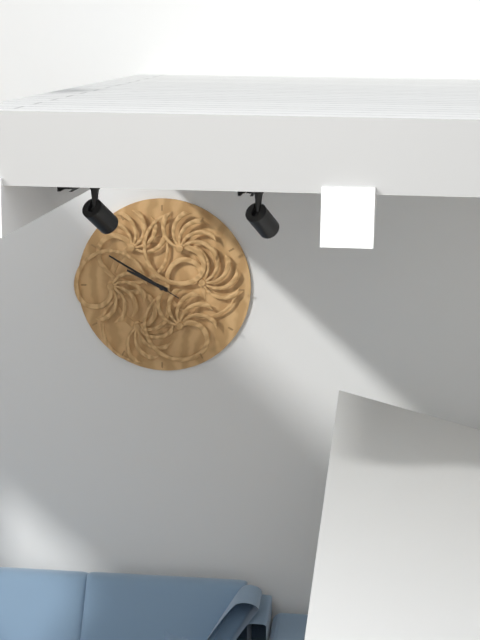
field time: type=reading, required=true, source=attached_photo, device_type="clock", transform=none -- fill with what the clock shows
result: 9:50:50
